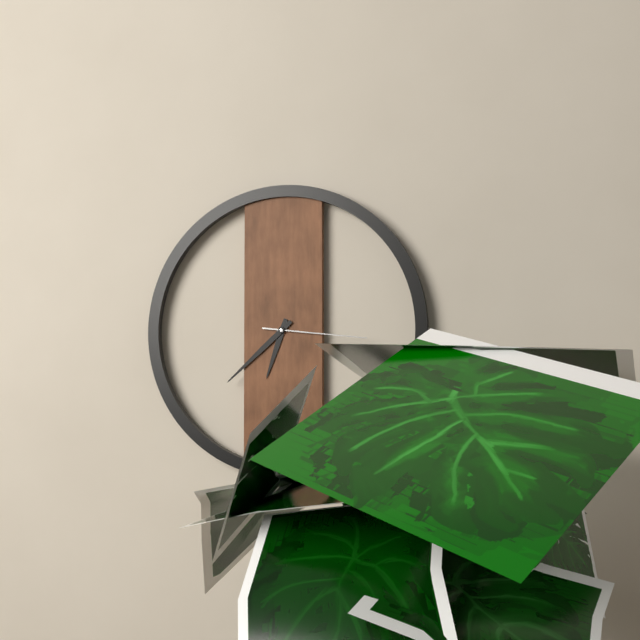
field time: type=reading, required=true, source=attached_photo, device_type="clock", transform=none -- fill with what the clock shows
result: 6:38:16
